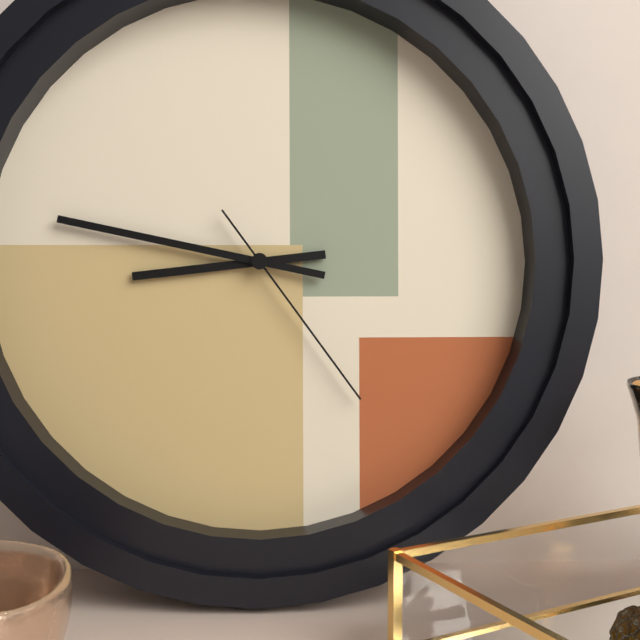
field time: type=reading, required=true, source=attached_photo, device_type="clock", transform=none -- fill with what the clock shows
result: 8:47:24
